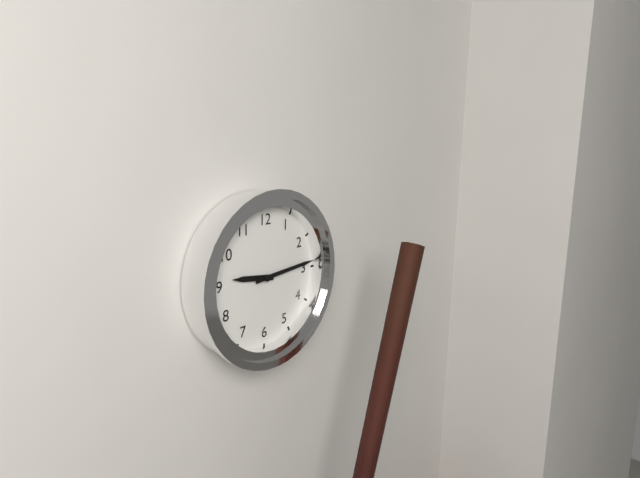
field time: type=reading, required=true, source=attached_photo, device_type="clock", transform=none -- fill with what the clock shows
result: 9:14
